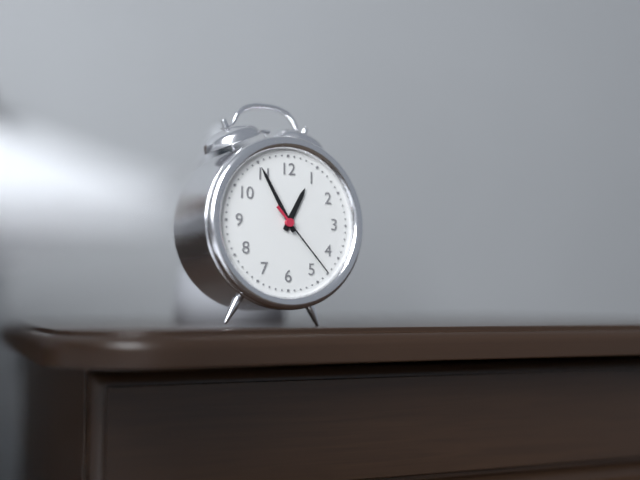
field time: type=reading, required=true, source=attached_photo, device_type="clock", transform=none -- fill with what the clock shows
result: 12:55:23
